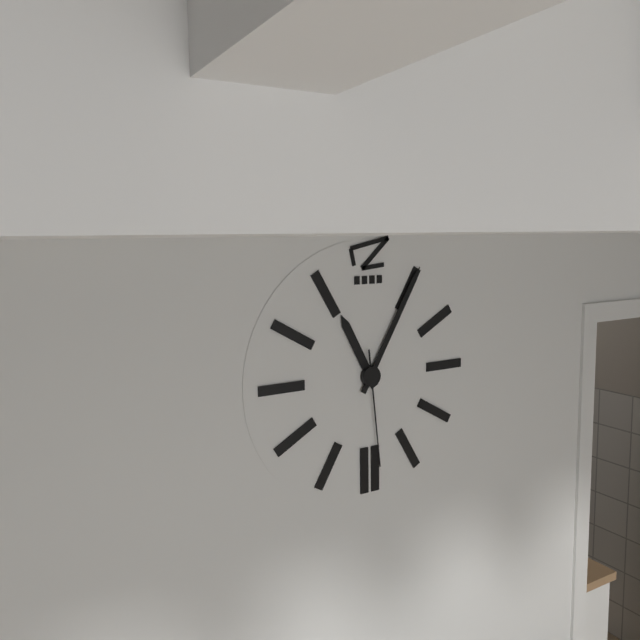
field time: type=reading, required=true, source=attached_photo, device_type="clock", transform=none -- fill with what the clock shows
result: 11:05:29
